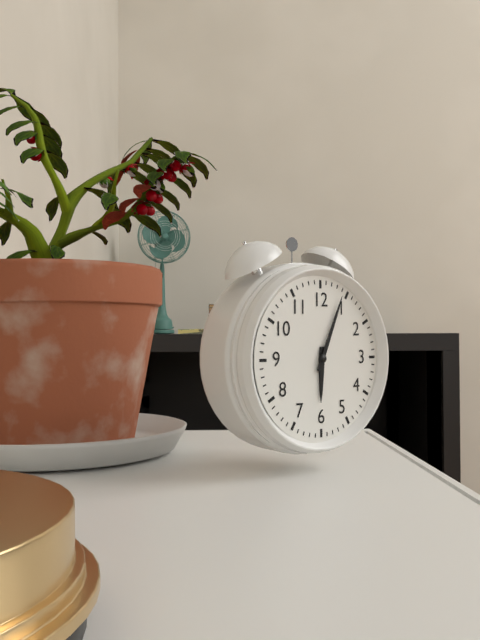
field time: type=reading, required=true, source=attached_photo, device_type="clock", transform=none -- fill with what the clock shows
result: 6:04
